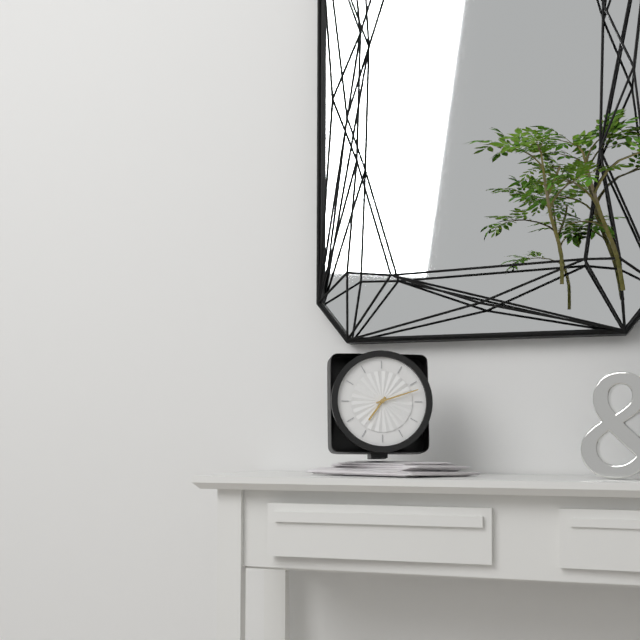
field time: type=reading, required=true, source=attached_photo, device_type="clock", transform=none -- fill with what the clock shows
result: 7:12
